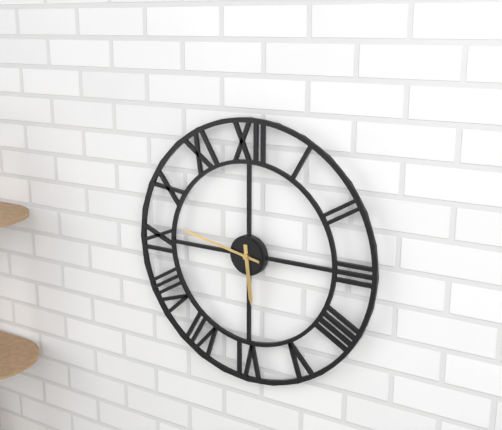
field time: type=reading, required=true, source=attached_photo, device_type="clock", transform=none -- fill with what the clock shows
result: 5:47
